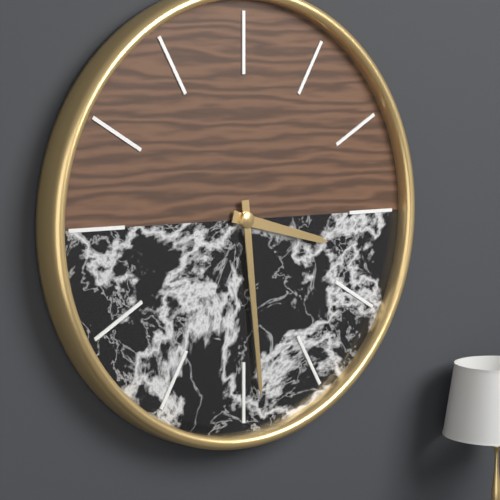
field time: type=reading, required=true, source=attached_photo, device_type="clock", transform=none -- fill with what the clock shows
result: 3:29
